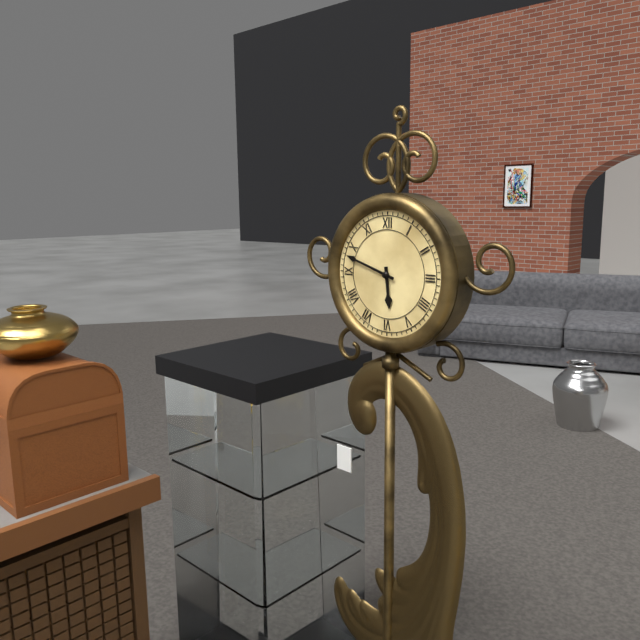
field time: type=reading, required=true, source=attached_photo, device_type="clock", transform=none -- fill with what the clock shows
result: 5:48
